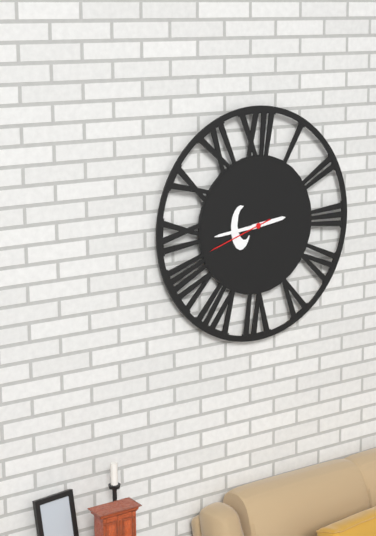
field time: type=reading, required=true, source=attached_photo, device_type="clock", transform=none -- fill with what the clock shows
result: 2:44:42
